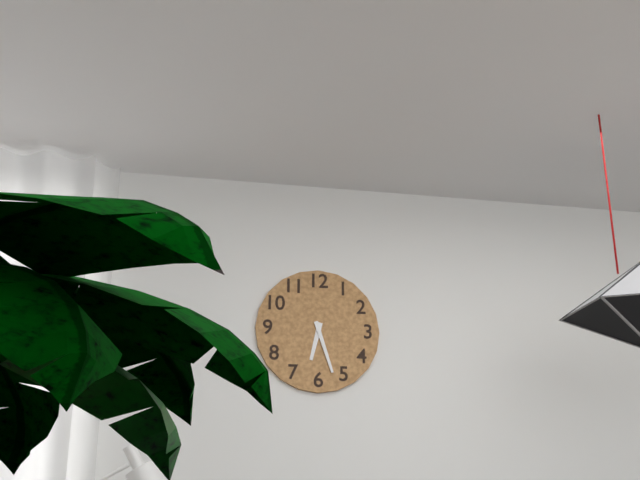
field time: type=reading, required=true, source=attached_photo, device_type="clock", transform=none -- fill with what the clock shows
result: 6:27
